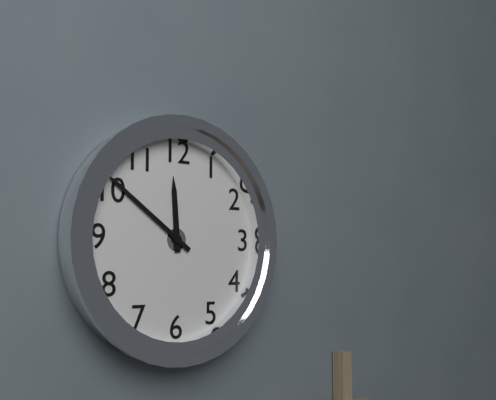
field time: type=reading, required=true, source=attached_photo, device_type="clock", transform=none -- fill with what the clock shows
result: 11:51
